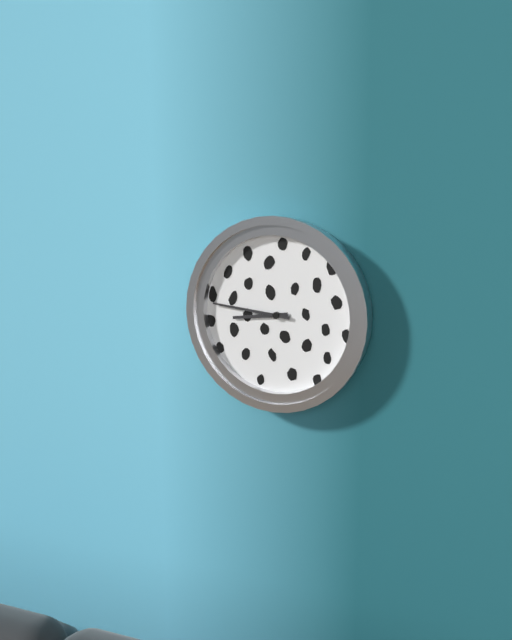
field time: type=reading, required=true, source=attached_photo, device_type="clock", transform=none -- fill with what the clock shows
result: 8:46
